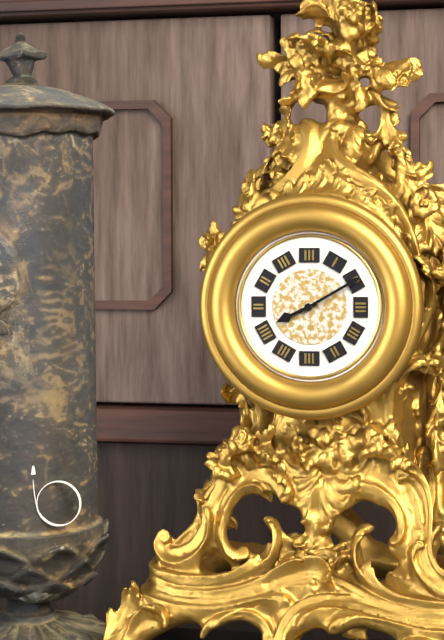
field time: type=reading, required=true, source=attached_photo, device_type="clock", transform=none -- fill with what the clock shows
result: 8:10
